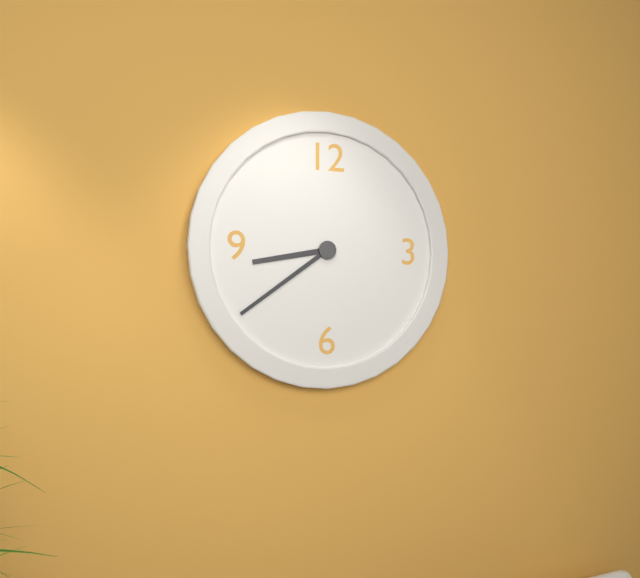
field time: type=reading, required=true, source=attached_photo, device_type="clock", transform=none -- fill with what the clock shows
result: 8:39
